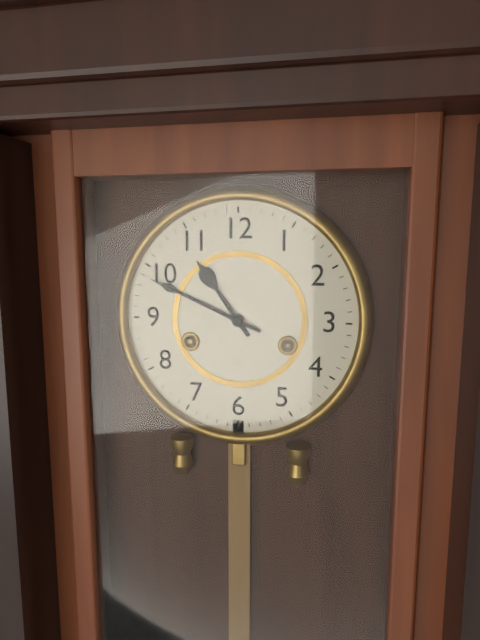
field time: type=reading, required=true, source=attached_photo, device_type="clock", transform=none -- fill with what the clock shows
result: 10:49
